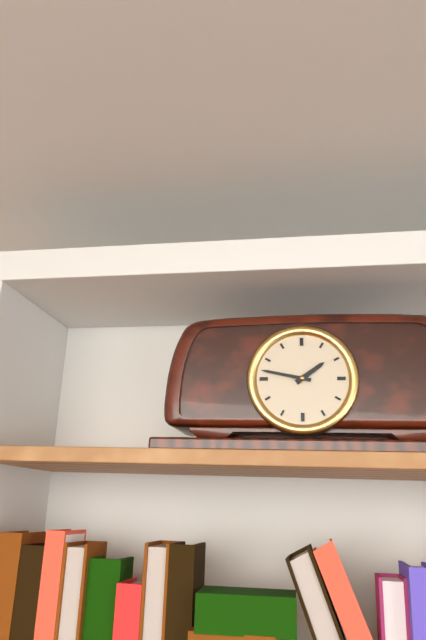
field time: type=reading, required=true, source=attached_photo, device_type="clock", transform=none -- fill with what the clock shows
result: 1:47
